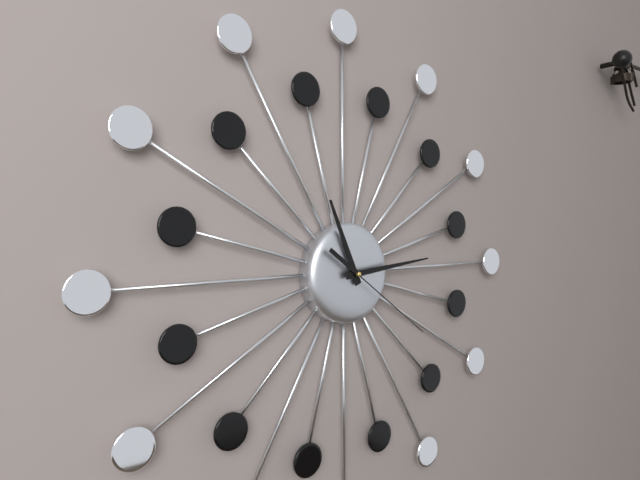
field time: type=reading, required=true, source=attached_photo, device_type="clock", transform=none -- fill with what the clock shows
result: 11:14:21
